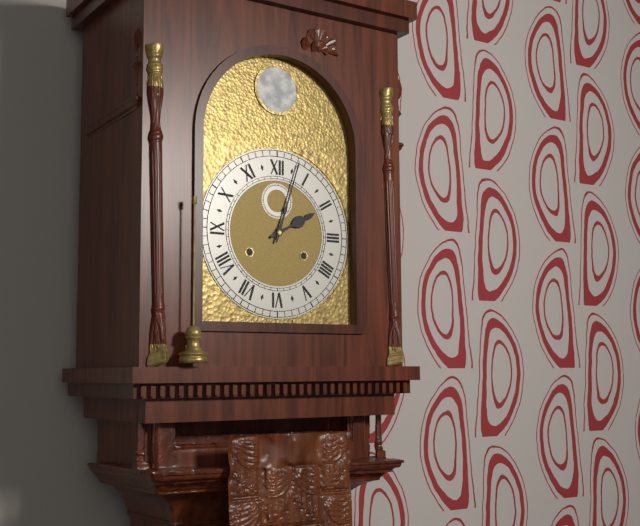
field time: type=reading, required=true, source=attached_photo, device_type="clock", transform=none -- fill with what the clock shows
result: 2:03
